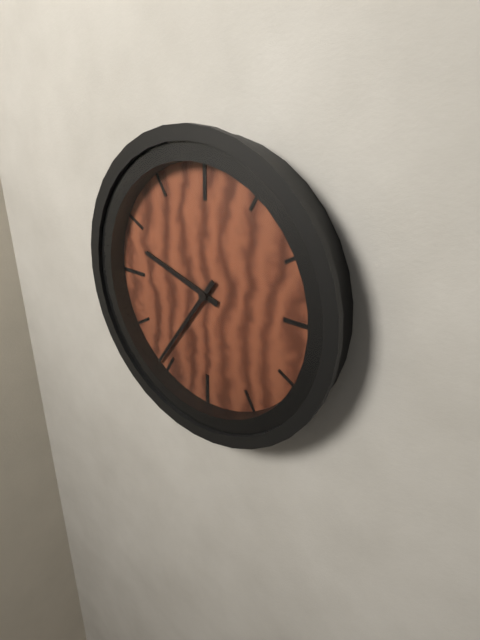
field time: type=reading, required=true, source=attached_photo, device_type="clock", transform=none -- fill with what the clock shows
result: 9:36
